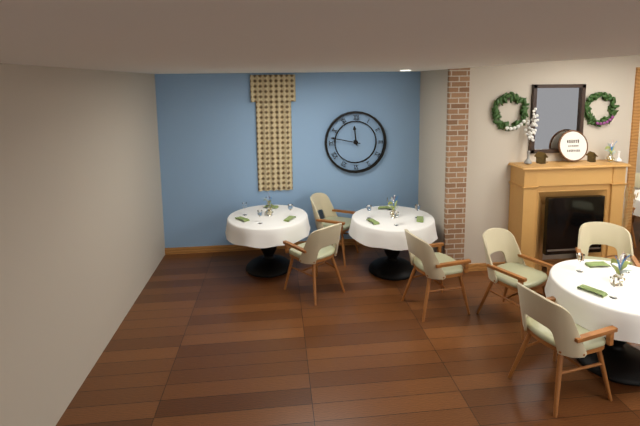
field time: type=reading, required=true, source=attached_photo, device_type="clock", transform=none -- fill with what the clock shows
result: 11:47
